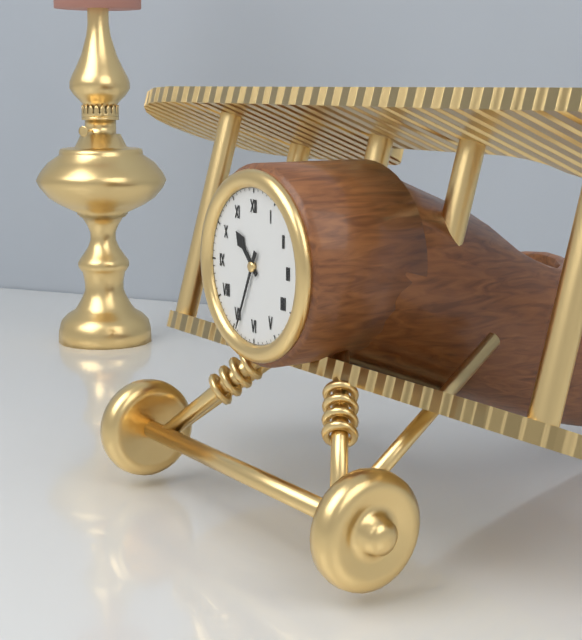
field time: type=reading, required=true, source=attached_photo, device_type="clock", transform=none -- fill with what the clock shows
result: 10:34
